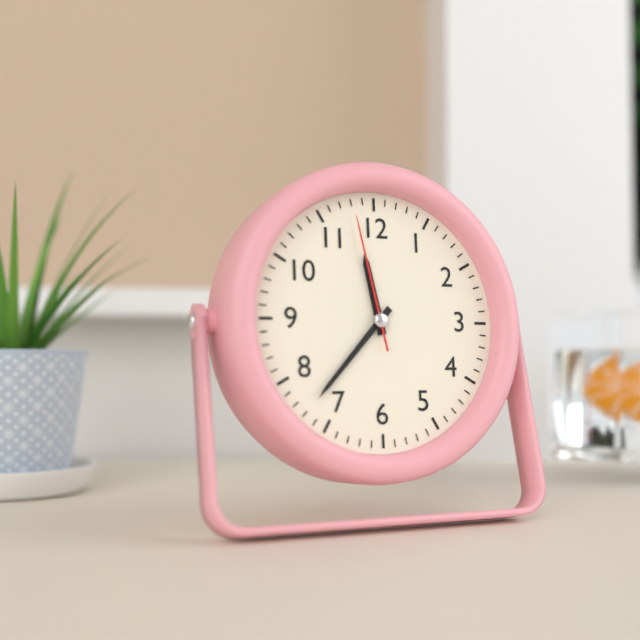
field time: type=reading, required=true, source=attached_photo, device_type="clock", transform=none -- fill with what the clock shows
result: 11:37:58
